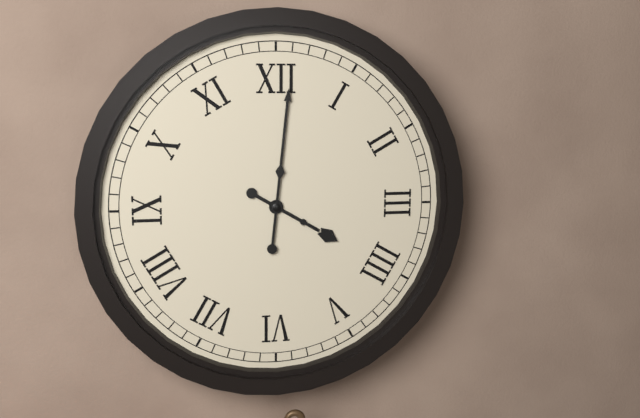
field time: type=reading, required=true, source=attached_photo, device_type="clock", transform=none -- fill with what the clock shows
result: 4:01
